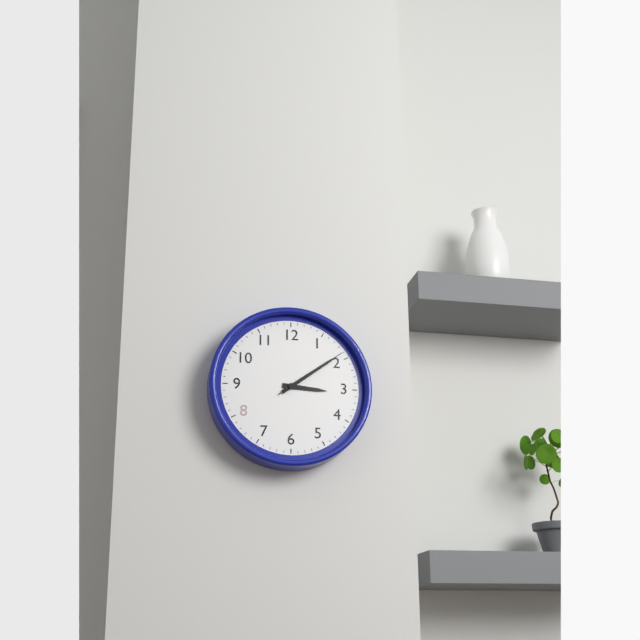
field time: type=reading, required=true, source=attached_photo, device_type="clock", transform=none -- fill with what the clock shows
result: 3:09:09
